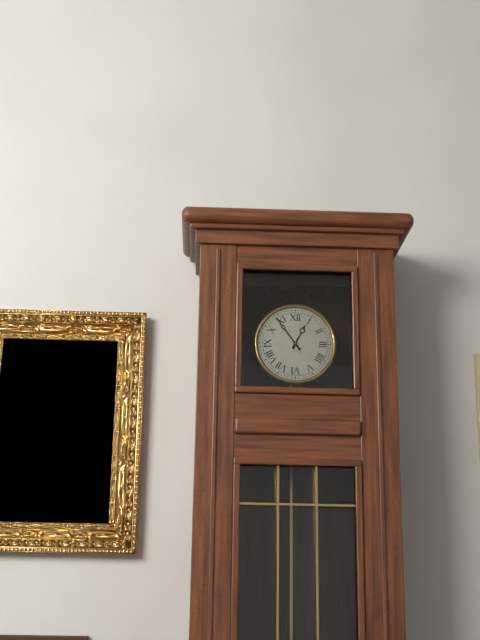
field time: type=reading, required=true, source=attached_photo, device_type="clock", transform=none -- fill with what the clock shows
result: 12:54
